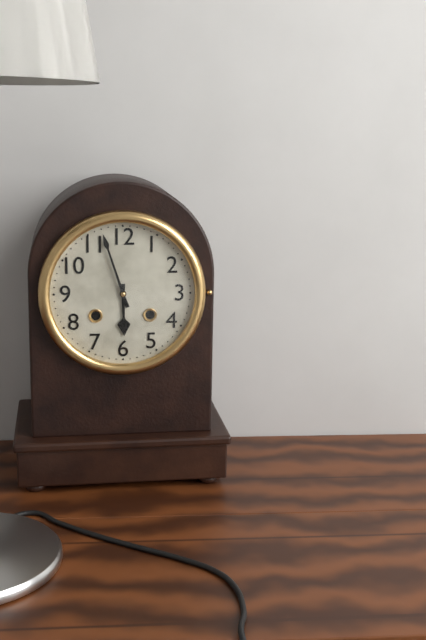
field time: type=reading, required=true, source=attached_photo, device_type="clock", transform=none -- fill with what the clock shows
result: 5:57
